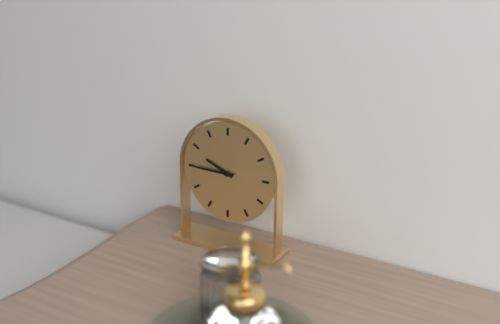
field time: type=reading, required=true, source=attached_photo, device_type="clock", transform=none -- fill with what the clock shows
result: 9:45
